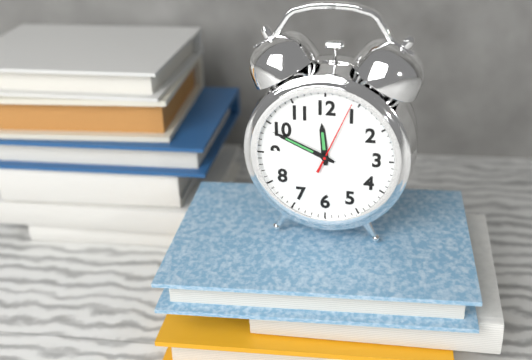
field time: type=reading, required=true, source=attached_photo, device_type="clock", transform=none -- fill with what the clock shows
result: 11:49:04
